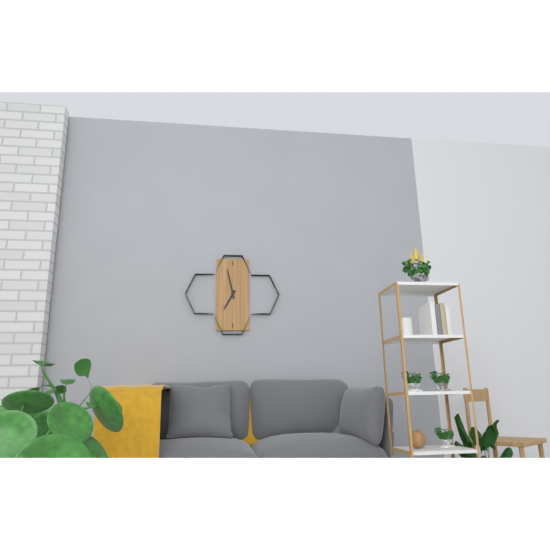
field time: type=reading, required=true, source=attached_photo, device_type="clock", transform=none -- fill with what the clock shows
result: 6:58
